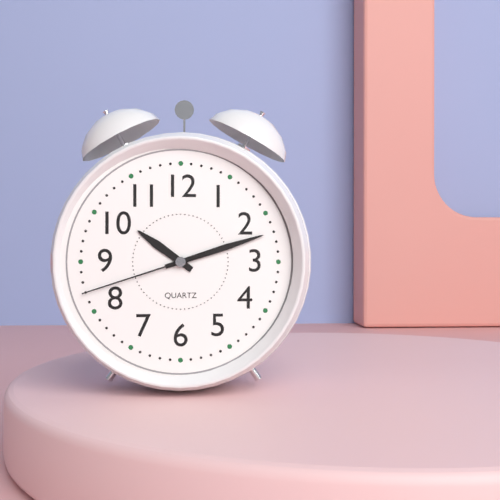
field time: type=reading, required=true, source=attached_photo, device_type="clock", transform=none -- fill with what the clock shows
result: 10:12:42
